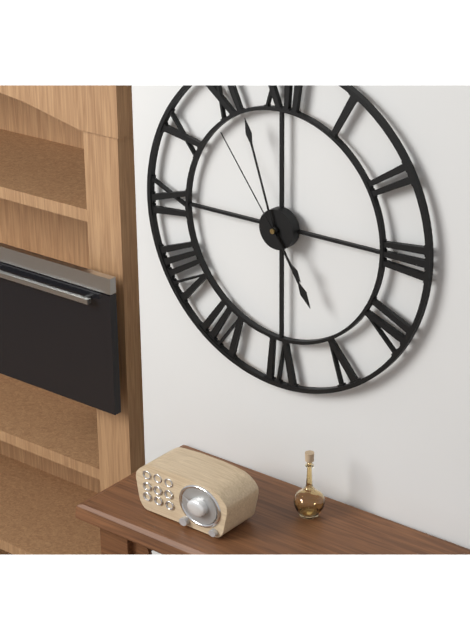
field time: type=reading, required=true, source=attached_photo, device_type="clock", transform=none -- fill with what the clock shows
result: 4:57:54
